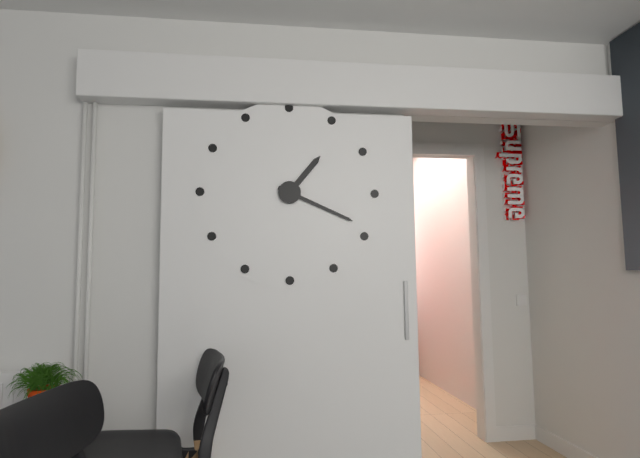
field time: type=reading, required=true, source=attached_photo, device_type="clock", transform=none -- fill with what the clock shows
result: 1:19
